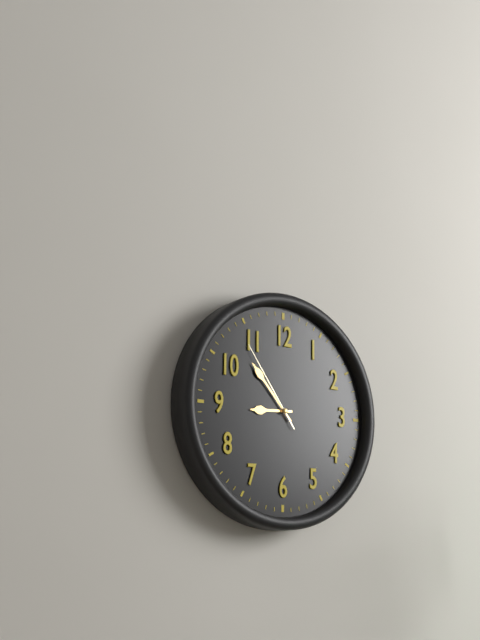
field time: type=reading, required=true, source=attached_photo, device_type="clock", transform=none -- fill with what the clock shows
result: 8:53:54
